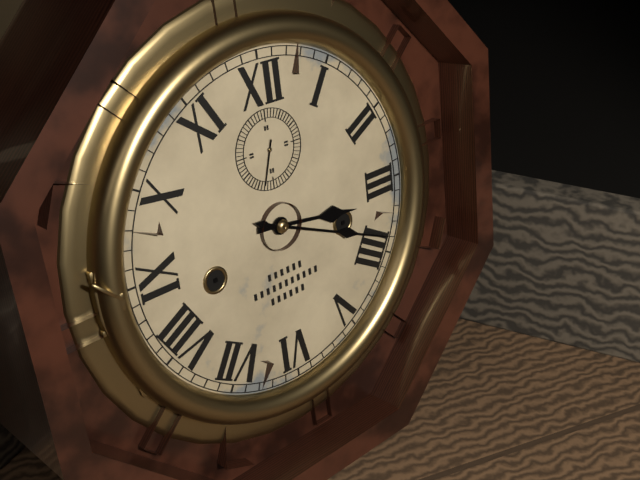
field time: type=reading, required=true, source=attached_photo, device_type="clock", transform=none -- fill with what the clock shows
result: 3:19
